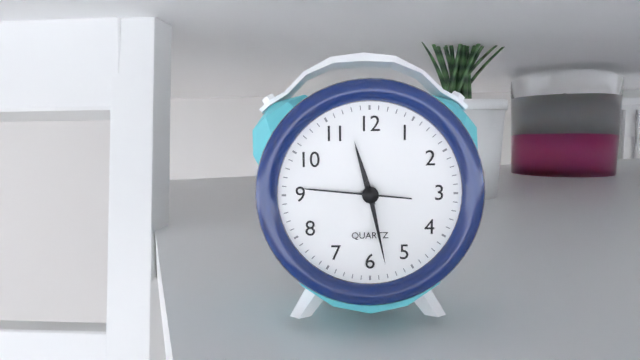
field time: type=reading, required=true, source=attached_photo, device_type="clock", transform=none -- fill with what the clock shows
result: 11:28:46
